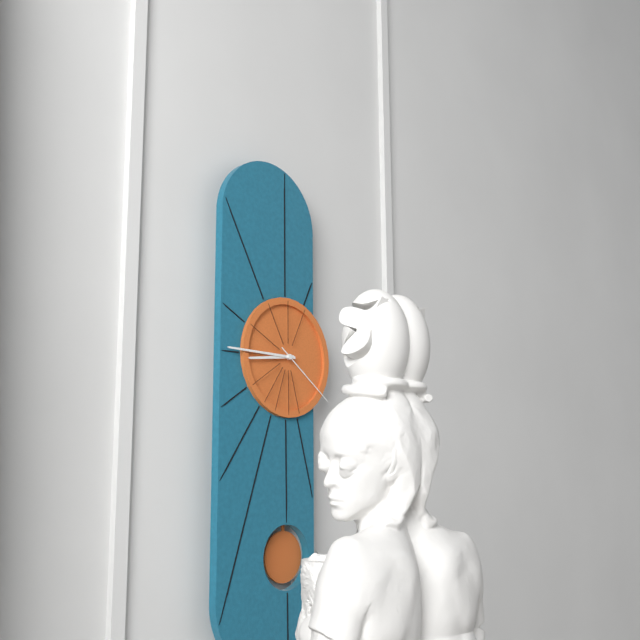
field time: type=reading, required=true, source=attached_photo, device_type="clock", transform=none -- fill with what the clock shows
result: 8:45:21
